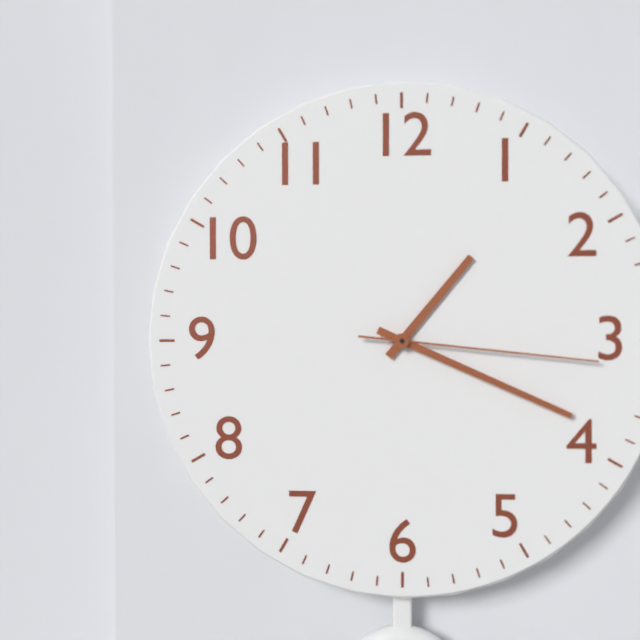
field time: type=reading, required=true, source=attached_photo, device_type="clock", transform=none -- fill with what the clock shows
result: 1:19:16
